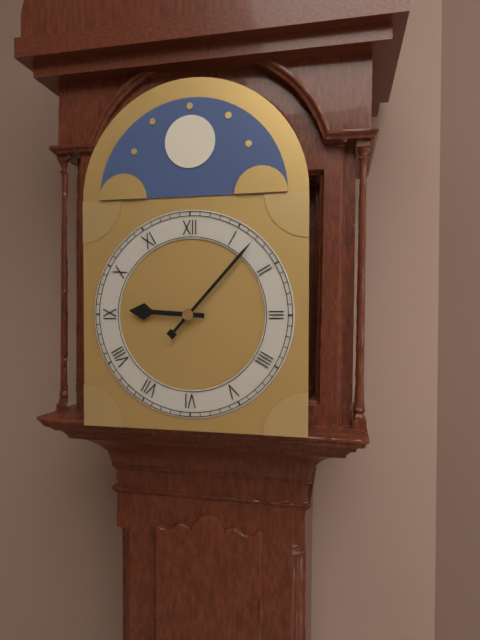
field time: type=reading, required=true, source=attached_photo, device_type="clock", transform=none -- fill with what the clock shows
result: 9:07
